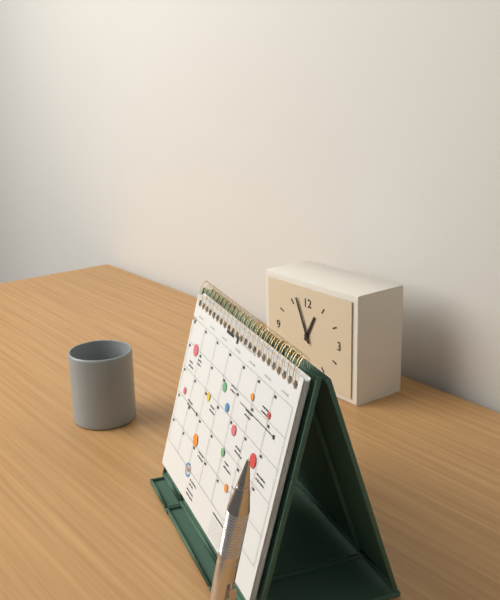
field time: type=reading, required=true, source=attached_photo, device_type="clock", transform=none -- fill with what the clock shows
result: 12:56
